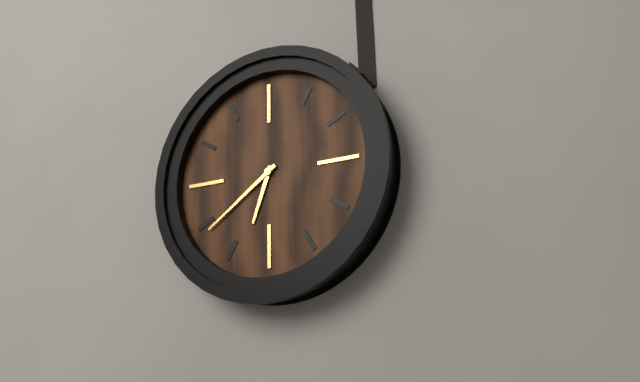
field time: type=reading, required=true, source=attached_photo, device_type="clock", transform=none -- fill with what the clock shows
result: 6:39
